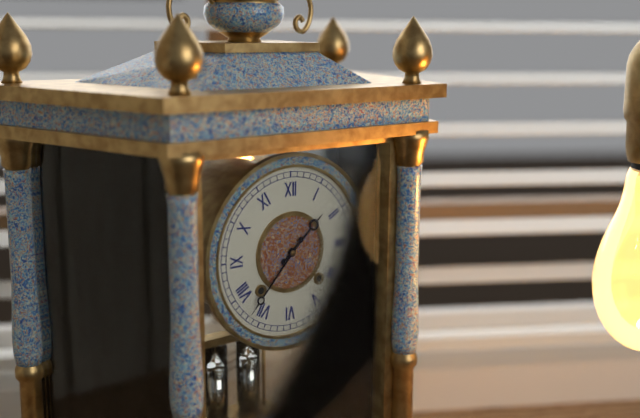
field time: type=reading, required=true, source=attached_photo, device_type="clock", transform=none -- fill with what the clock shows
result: 1:37
